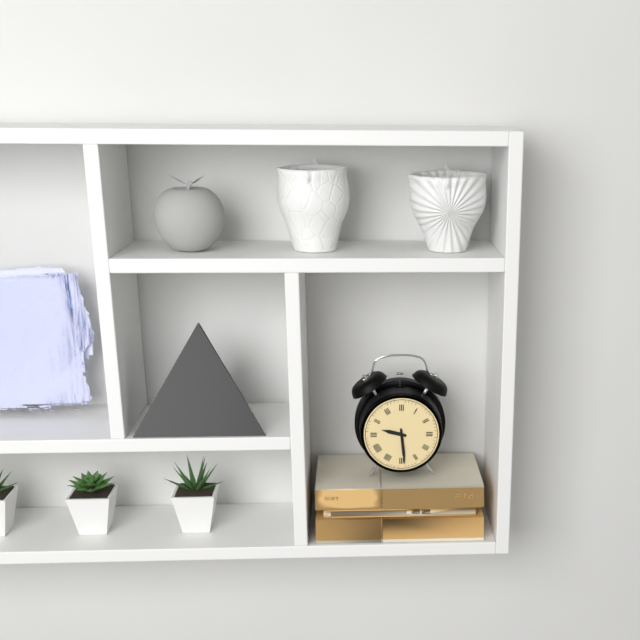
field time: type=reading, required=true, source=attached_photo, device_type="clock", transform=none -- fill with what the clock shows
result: 9:29
